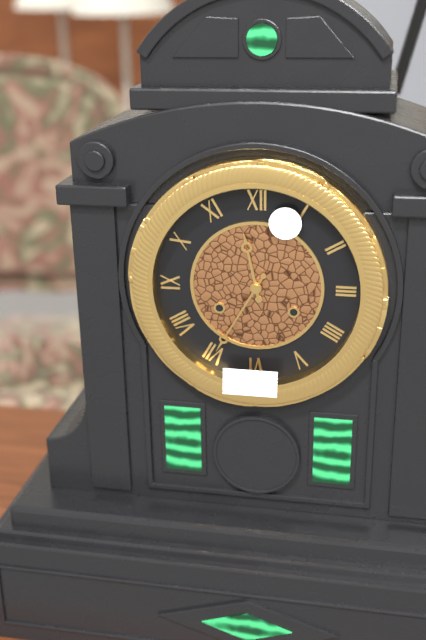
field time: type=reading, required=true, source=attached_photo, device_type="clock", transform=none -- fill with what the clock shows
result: 11:35
